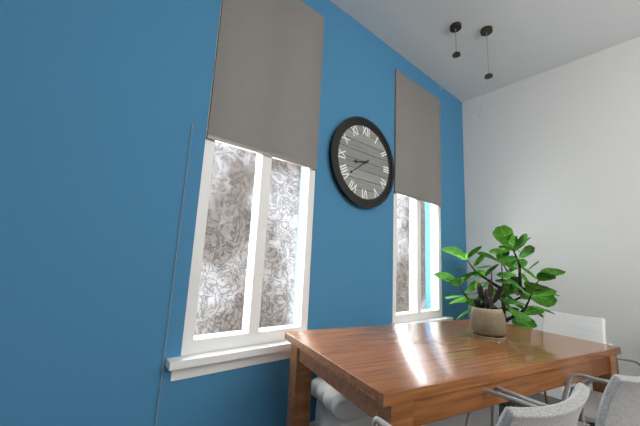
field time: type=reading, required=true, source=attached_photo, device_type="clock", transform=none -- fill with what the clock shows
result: 8:39
